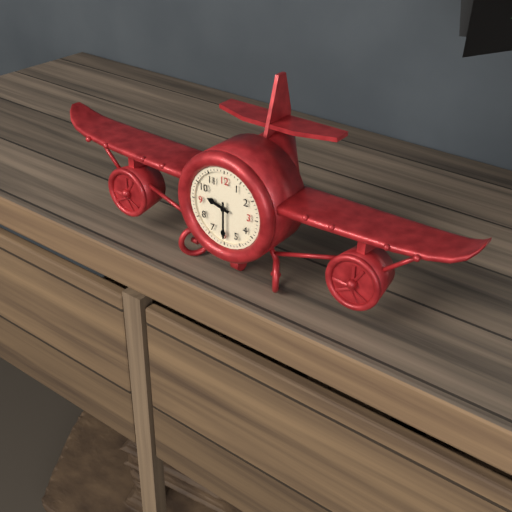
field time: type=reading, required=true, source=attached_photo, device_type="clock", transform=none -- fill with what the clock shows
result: 9:30
